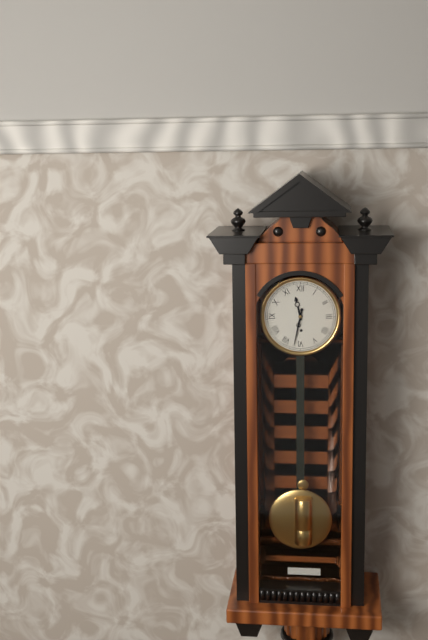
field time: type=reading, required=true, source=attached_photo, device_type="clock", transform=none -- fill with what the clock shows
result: 11:32
